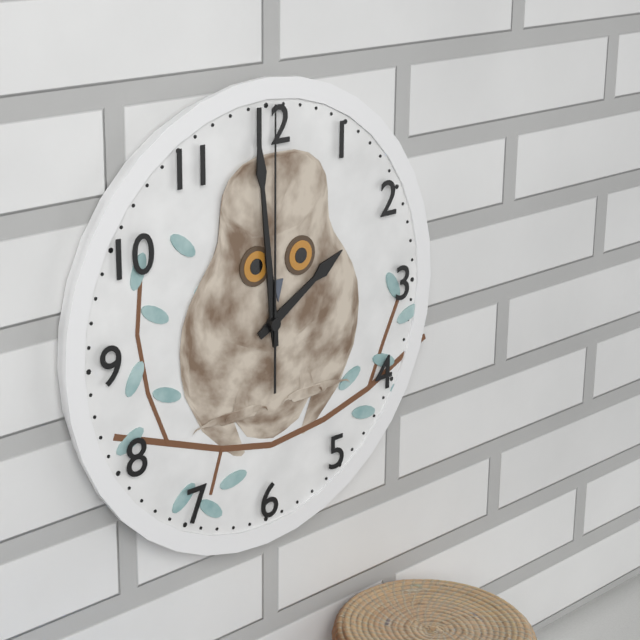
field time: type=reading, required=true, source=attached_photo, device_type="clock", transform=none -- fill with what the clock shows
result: 1:59:00
